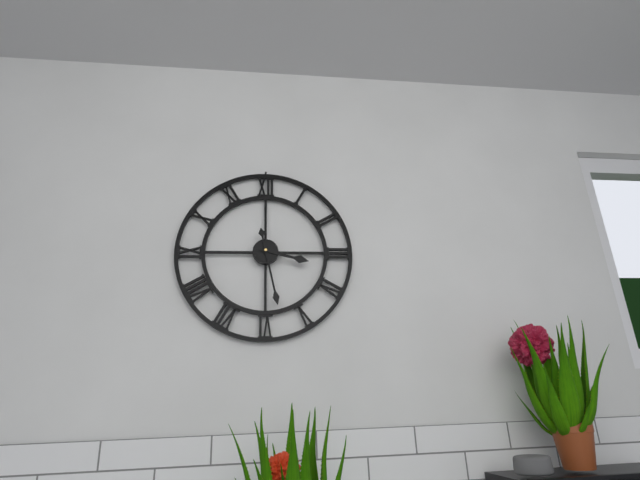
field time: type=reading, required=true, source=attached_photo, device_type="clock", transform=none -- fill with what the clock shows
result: 3:28
